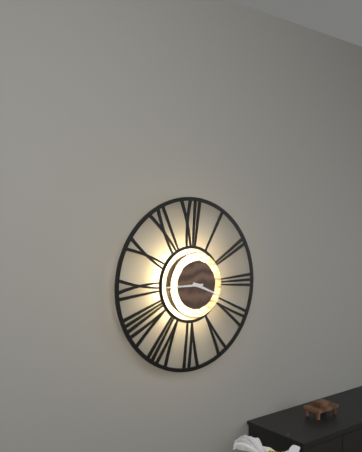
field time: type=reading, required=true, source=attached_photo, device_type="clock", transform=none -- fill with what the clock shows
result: 3:45
